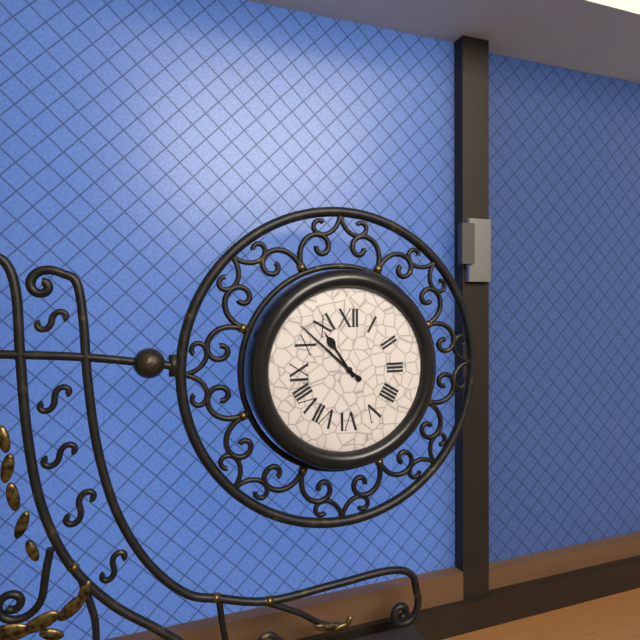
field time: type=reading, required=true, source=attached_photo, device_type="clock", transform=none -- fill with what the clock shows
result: 10:52
